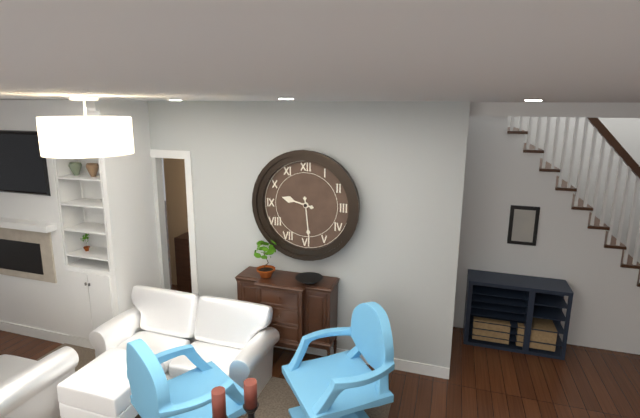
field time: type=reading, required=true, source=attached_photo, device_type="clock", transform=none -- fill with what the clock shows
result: 9:29
